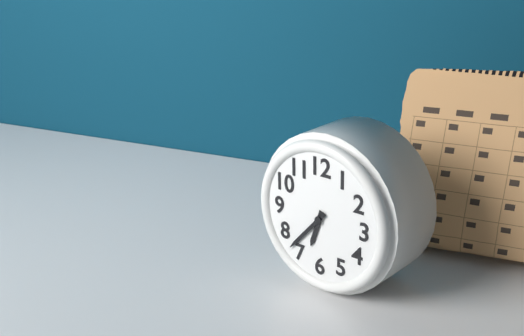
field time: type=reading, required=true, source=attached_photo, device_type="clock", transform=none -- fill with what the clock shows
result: 6:37
